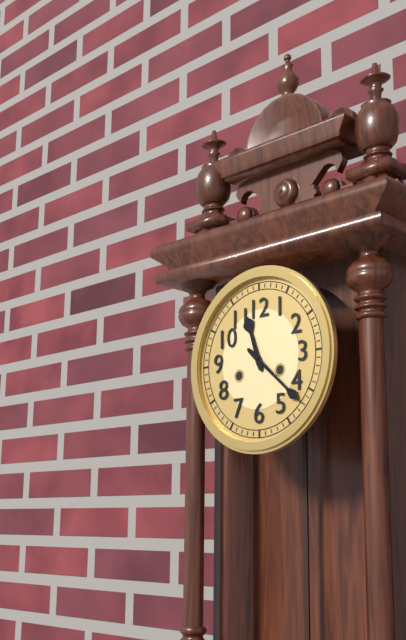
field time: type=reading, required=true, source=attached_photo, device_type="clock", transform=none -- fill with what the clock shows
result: 11:22
